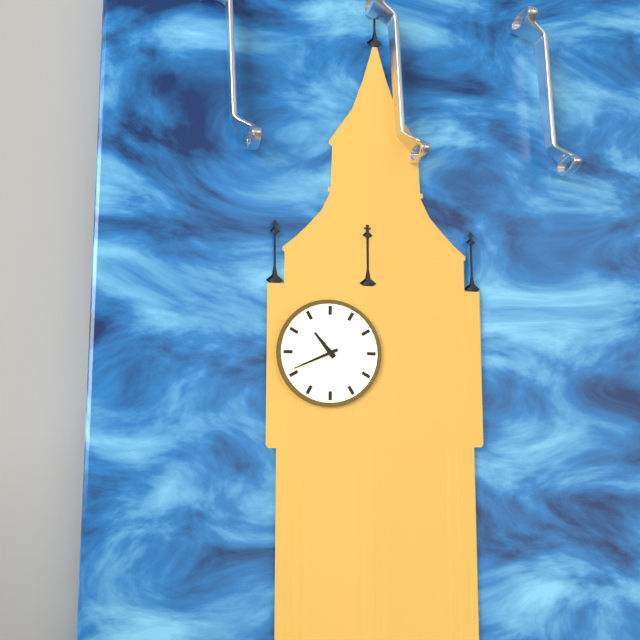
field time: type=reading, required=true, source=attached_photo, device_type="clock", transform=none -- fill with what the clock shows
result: 10:41
